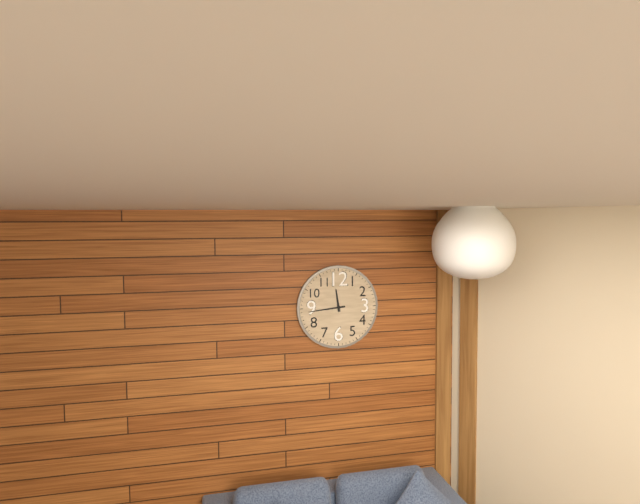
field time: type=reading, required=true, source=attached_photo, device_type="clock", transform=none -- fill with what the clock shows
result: 11:44
